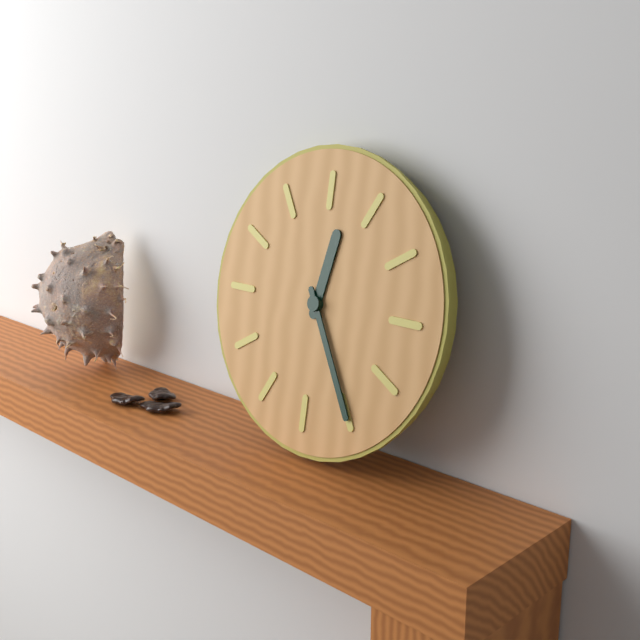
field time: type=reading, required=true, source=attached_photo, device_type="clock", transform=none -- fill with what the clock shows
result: 12:25
